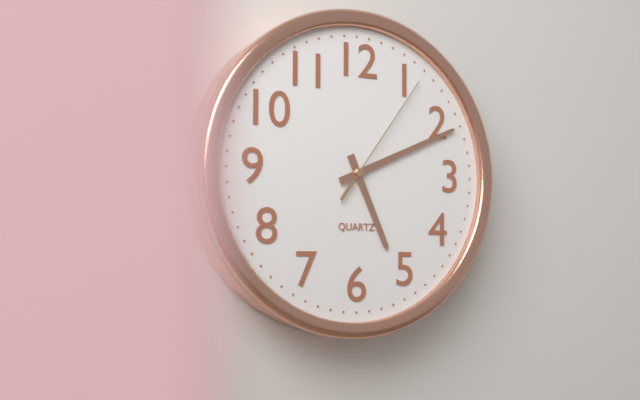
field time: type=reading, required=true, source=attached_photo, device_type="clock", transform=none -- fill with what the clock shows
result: 5:11:06
